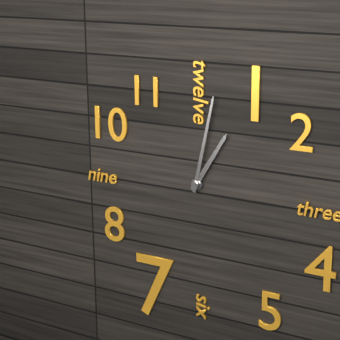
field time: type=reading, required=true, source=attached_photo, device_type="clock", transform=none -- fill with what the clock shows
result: 1:02
